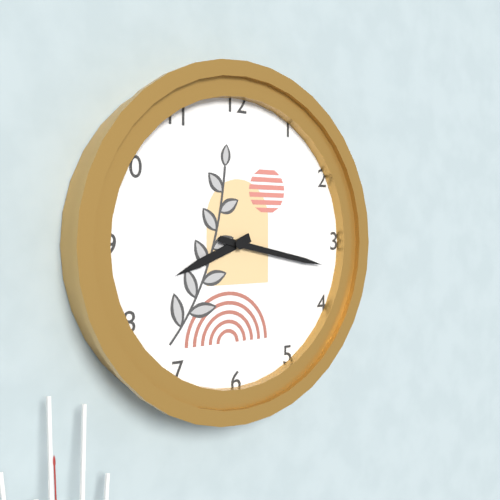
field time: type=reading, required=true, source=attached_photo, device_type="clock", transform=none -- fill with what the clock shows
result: 8:17
